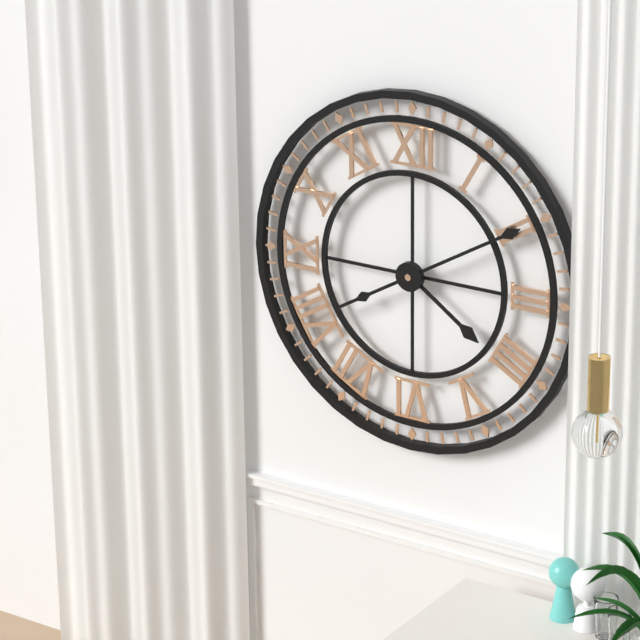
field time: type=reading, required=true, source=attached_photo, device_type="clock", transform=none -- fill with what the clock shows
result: 4:10
